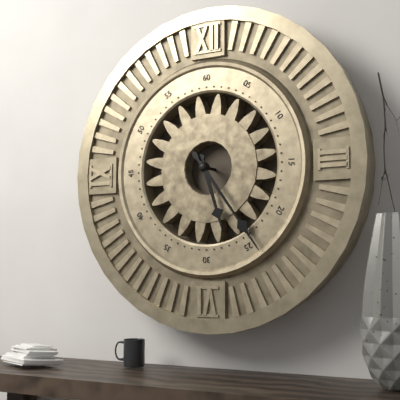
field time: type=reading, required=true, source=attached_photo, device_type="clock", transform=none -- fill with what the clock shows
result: 5:24
